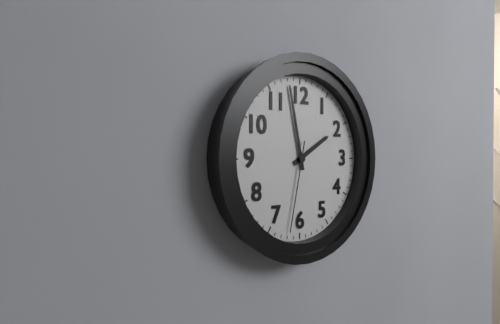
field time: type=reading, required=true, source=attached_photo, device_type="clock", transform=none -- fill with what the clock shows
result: 1:58:32
